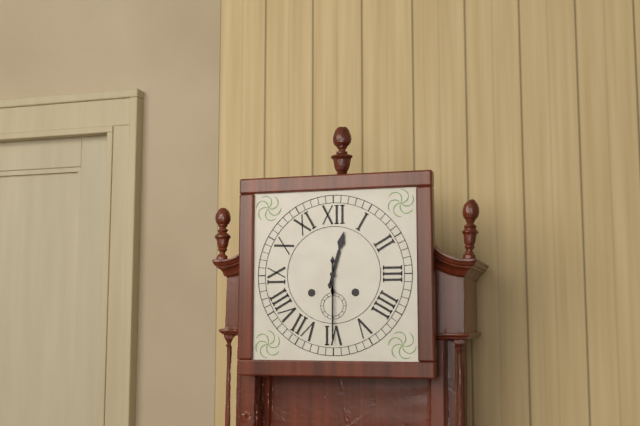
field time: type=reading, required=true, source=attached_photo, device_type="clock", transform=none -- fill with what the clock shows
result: 12:30
